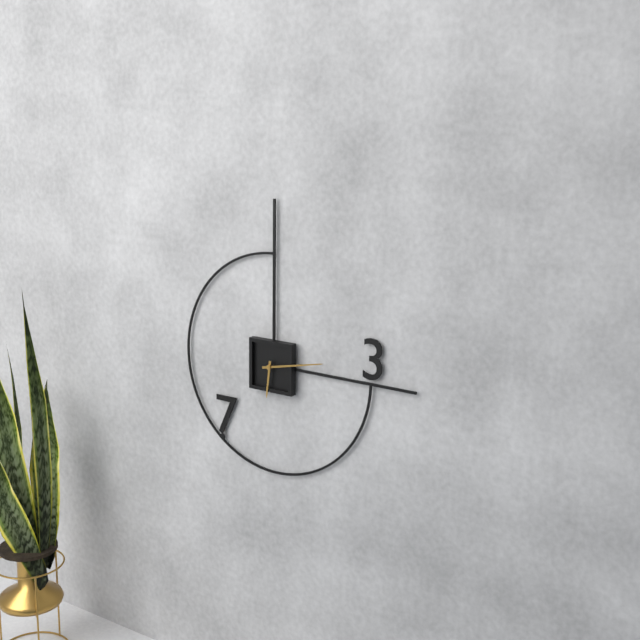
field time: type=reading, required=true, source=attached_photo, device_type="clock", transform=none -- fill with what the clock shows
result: 6:13
